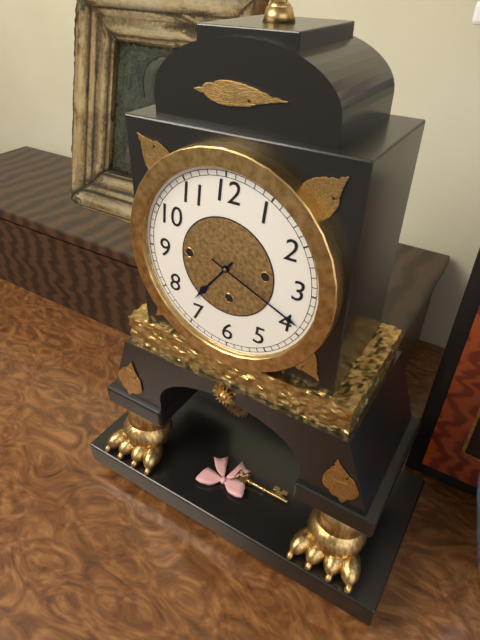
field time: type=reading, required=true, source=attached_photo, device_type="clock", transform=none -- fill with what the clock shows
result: 7:19
